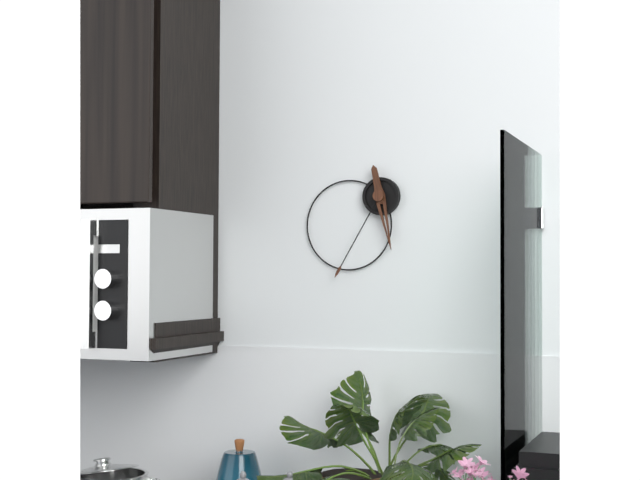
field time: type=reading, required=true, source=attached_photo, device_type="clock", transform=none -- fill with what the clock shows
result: 5:35
